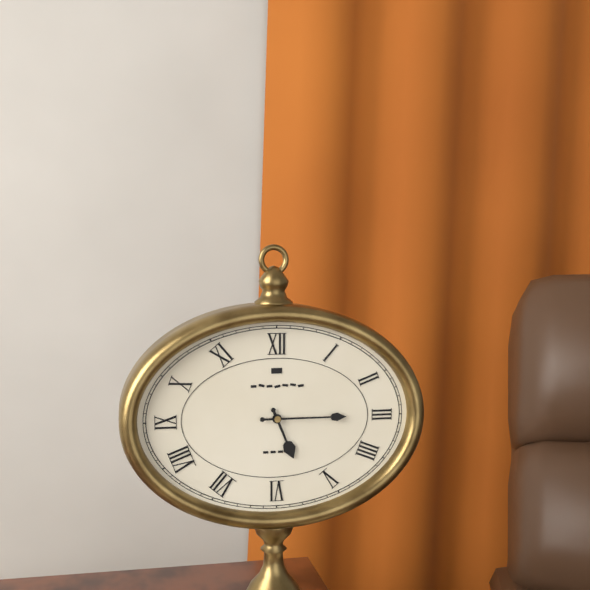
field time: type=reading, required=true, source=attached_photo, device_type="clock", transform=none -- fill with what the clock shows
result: 5:15
